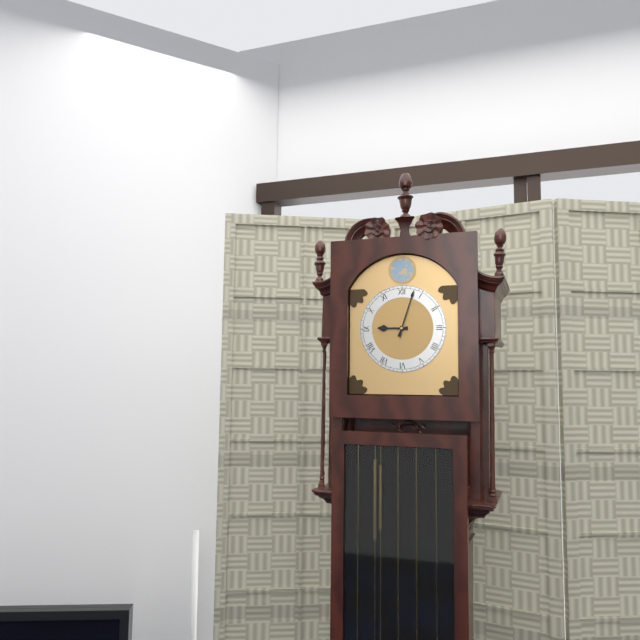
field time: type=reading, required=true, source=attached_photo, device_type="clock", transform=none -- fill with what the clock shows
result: 9:03
